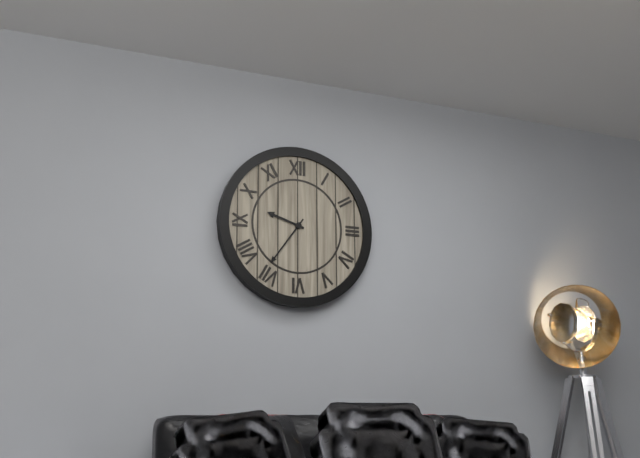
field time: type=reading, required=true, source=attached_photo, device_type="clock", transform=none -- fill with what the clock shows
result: 9:36
